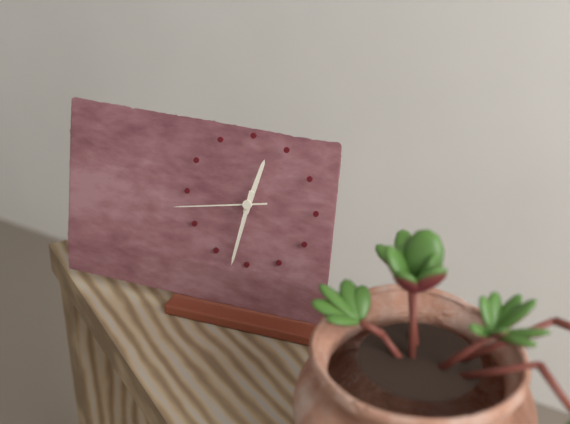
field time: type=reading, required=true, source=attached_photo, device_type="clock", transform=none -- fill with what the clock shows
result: 12:32:43
